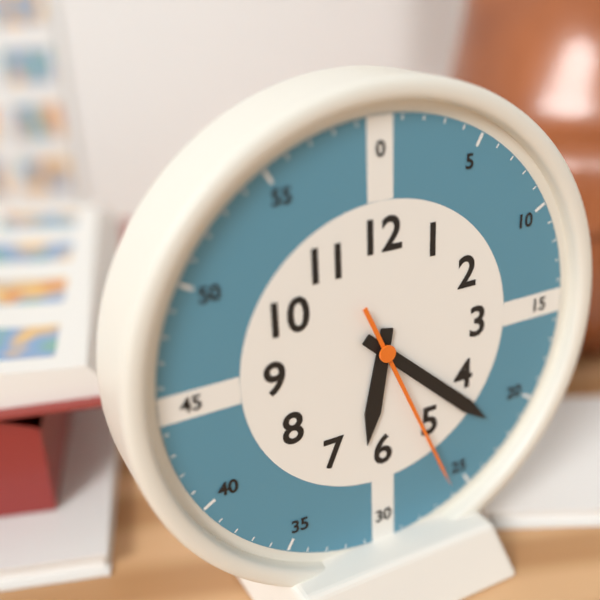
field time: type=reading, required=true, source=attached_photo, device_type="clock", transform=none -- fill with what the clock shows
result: 6:22:26
